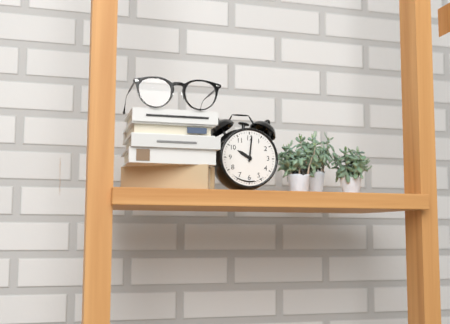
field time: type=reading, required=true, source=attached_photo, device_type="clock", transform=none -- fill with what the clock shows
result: 10:01
